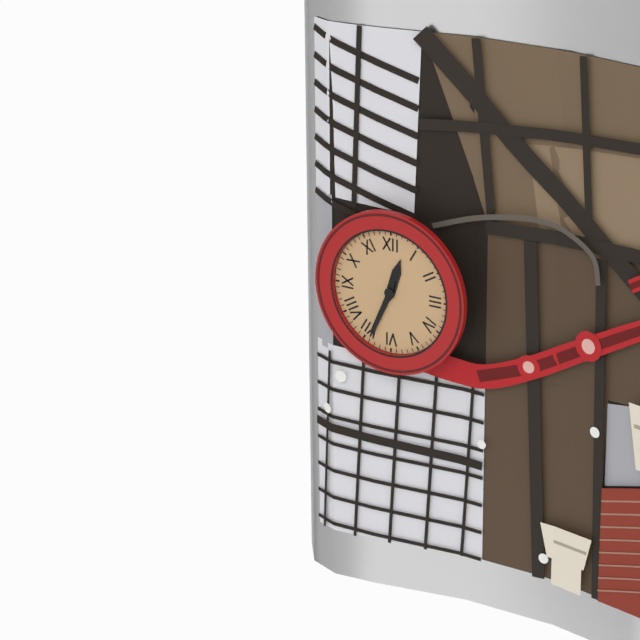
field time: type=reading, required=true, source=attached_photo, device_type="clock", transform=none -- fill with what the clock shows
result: 12:34
